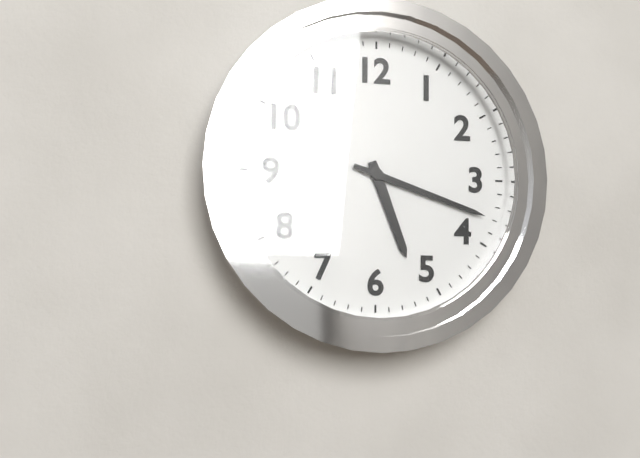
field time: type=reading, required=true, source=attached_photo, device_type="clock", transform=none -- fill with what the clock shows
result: 5:18
